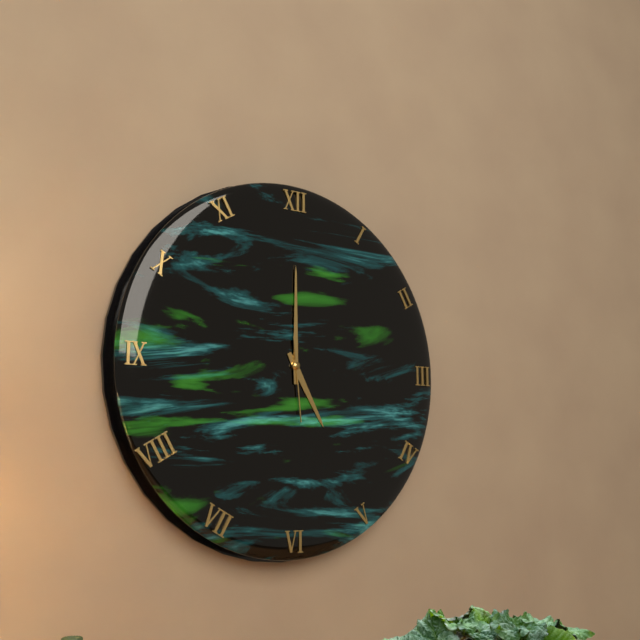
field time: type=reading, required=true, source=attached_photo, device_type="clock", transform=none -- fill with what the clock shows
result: 5:00:29
